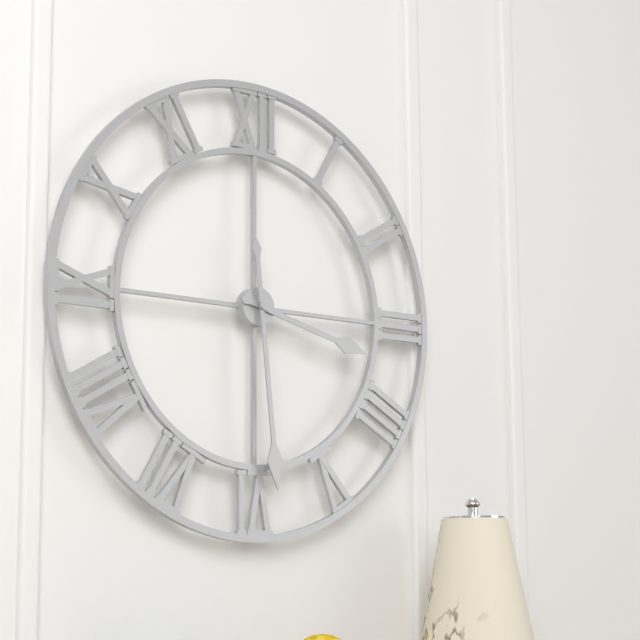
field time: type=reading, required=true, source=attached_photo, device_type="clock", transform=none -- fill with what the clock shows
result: 3:29
